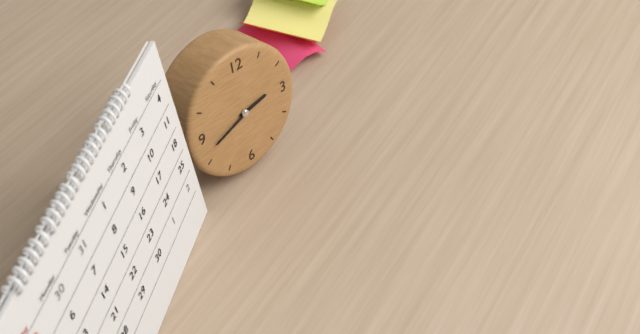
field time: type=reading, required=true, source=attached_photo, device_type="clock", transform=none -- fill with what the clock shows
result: 2:42
